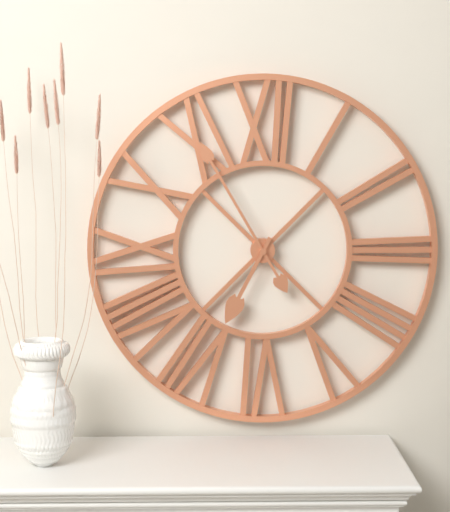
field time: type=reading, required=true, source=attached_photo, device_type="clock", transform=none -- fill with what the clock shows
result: 6:55
